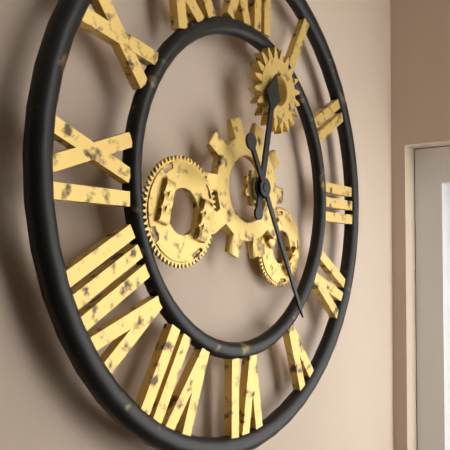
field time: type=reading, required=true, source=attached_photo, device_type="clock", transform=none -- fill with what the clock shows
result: 12:25
